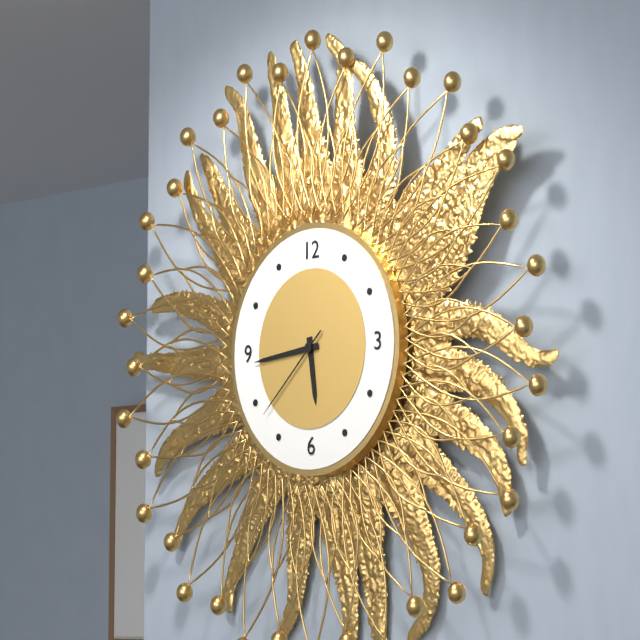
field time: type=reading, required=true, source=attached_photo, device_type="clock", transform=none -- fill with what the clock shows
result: 5:44:38
